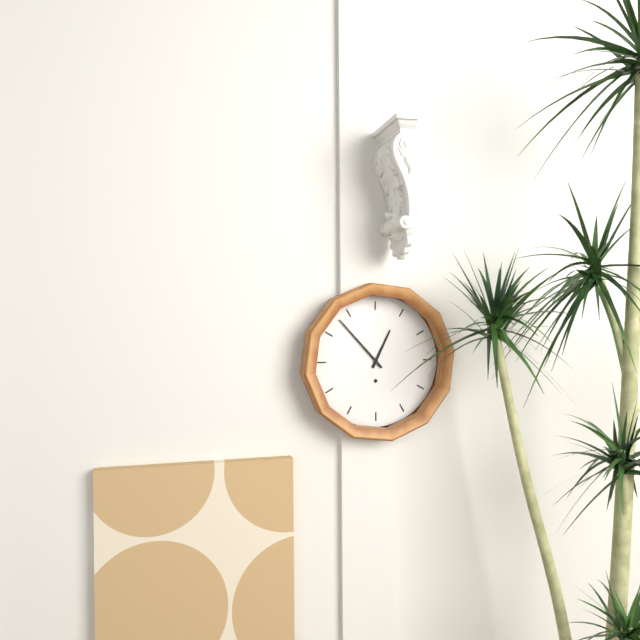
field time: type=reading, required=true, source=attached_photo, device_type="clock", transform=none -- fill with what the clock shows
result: 12:53
